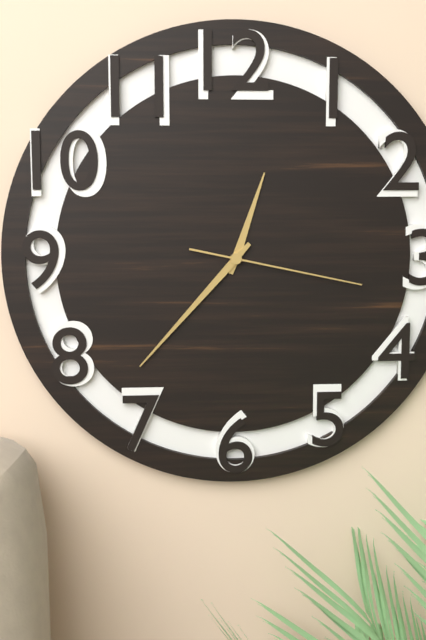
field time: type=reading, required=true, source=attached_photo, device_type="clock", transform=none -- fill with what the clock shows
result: 12:37:17
